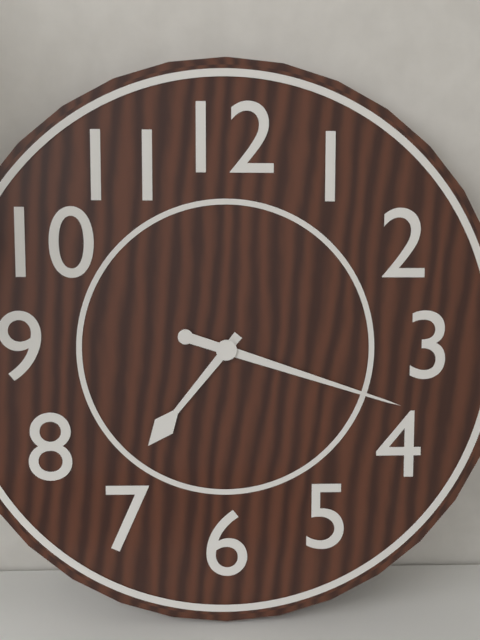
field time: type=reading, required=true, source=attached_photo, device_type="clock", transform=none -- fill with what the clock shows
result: 7:18
